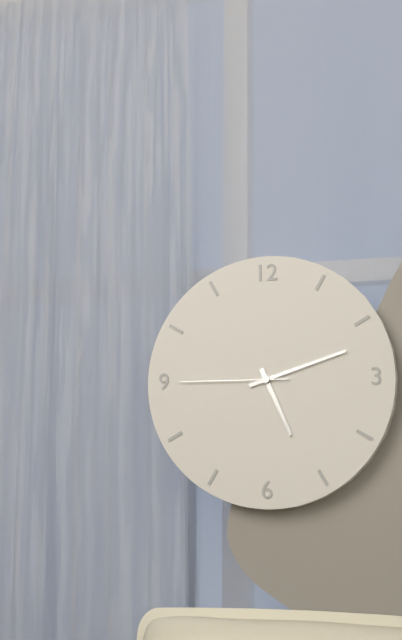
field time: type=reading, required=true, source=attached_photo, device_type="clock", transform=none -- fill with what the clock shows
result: 5:12:45
